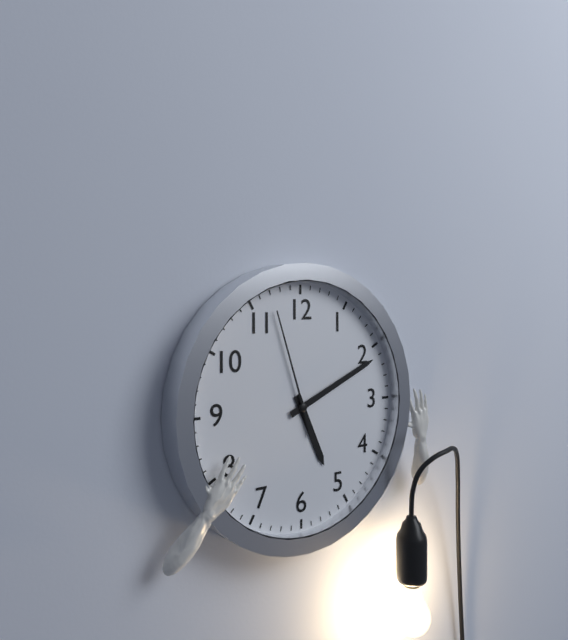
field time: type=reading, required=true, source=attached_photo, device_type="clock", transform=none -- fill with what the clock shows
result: 5:11:57
